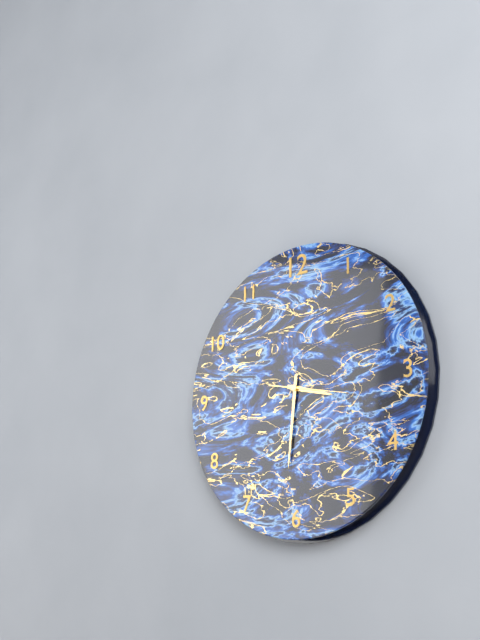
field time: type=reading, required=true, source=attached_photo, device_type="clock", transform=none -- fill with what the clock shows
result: 3:31:17
